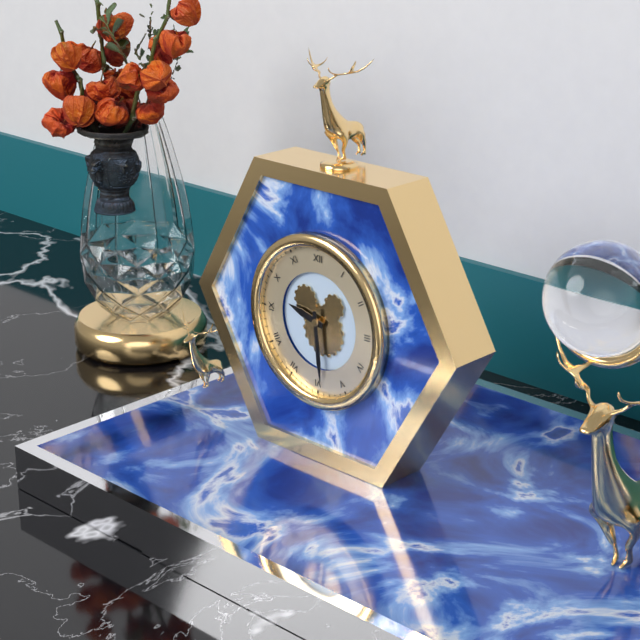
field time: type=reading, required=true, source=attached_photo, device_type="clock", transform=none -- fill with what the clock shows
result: 9:29
